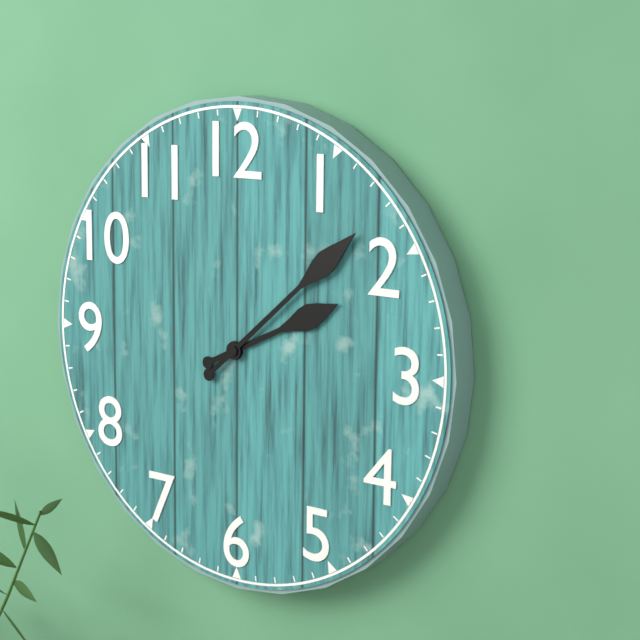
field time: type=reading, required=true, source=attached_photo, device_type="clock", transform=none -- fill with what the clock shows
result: 2:08
